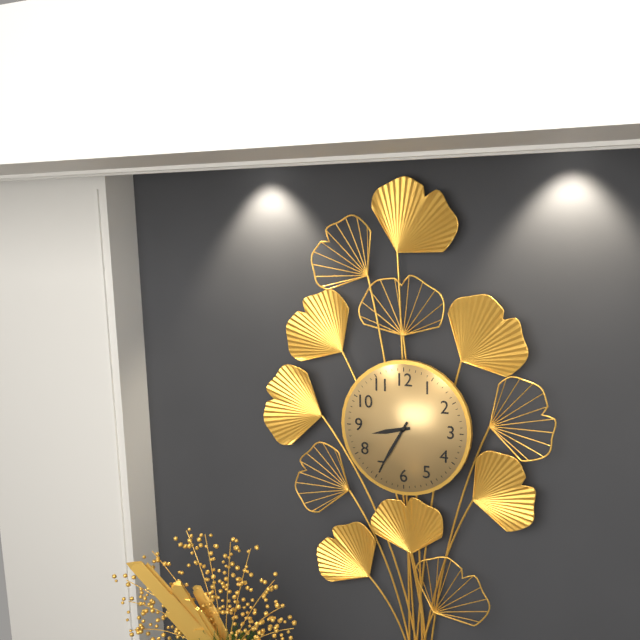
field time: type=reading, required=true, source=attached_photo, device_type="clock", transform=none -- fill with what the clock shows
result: 8:35
